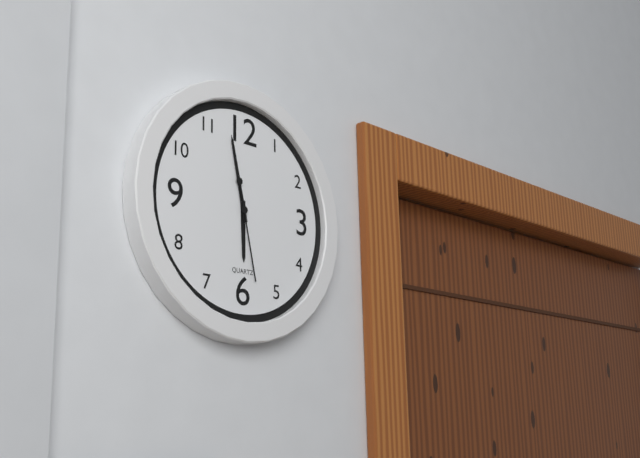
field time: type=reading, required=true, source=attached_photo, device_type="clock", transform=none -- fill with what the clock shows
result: 5:58:28
